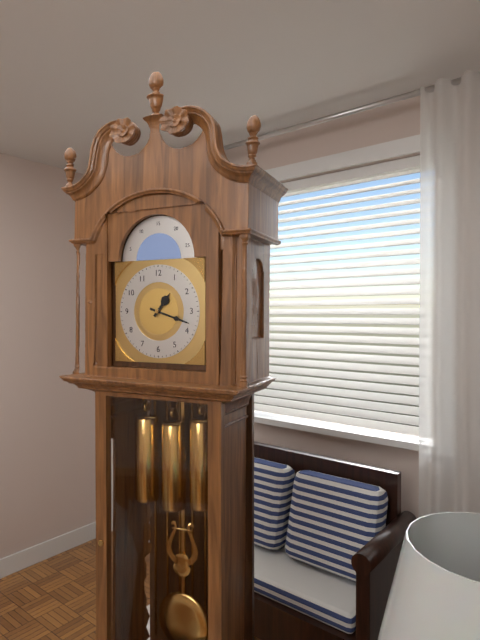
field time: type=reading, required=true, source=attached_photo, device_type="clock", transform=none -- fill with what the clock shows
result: 1:18
